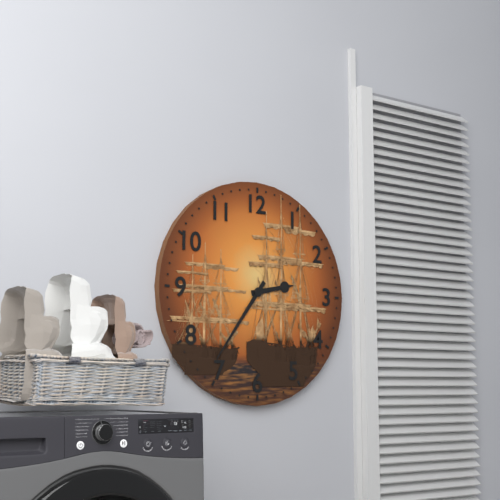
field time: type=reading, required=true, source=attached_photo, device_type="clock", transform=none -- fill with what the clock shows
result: 2:36
